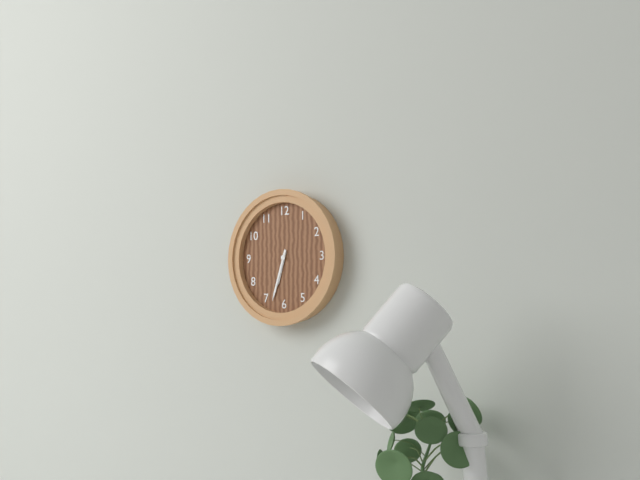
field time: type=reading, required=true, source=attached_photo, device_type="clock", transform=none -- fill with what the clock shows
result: 6:33
